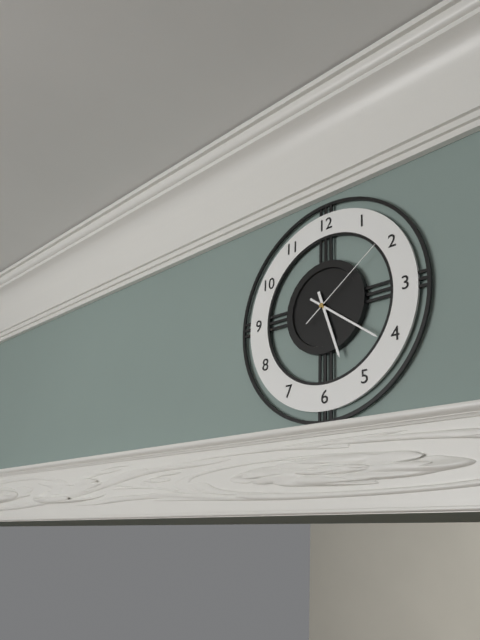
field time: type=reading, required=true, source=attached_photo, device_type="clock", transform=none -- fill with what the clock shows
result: 5:21:09
